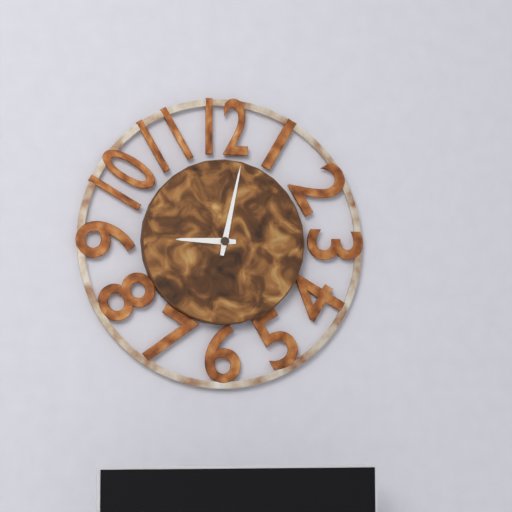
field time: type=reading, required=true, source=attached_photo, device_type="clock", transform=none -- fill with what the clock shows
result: 9:02
